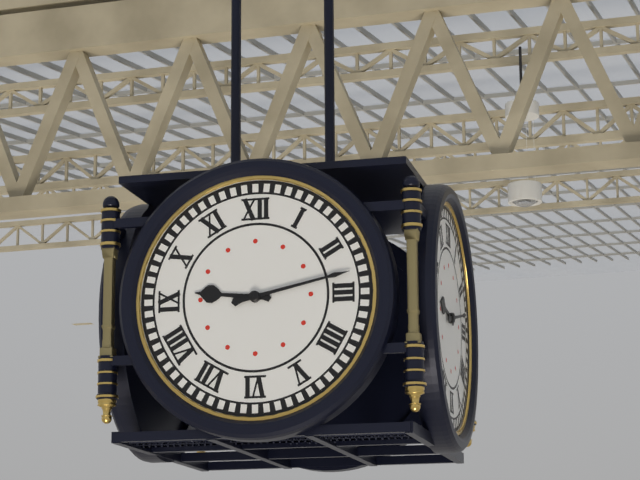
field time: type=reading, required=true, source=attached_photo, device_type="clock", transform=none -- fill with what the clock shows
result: 9:13
